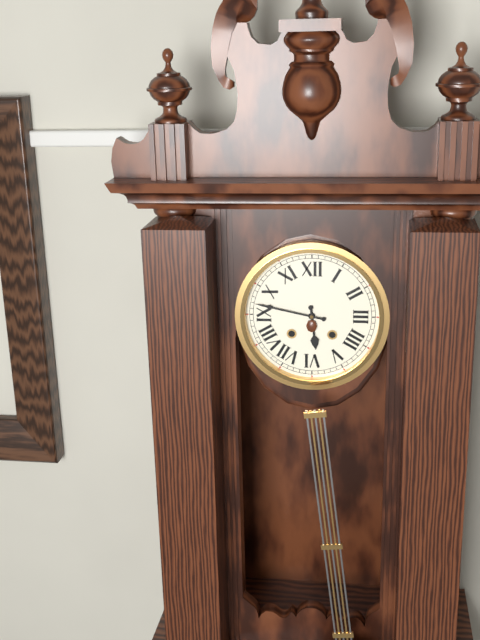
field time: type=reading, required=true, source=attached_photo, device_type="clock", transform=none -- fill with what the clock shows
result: 5:47
